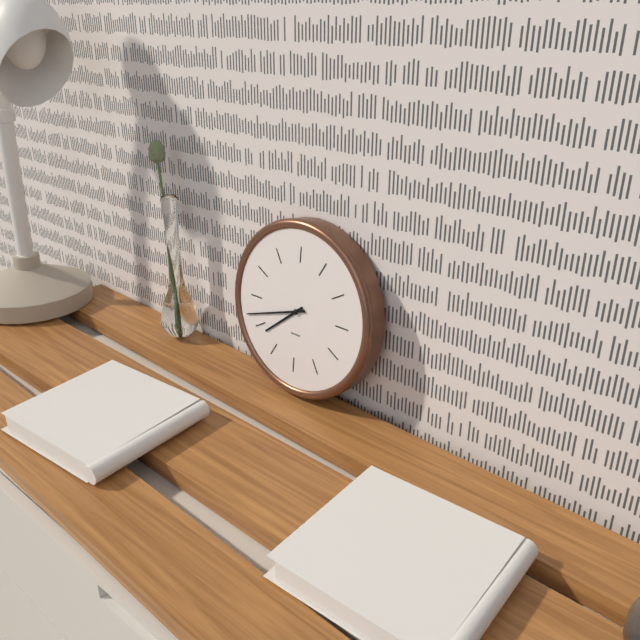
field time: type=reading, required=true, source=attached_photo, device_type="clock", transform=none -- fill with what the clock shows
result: 7:42
